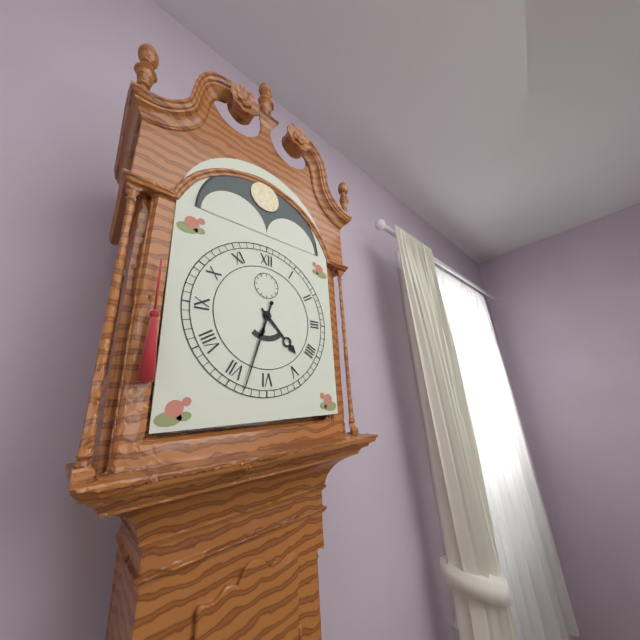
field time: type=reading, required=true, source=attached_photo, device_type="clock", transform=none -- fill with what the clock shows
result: 4:33
